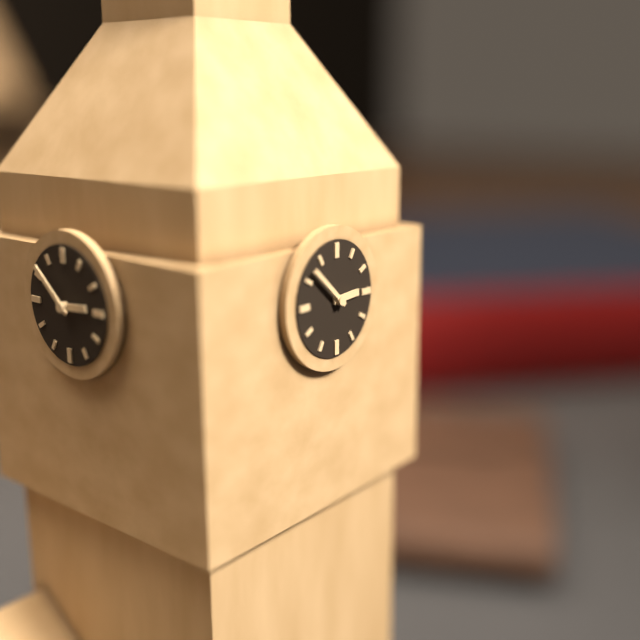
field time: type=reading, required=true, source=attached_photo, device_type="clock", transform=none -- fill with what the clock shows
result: 2:52
